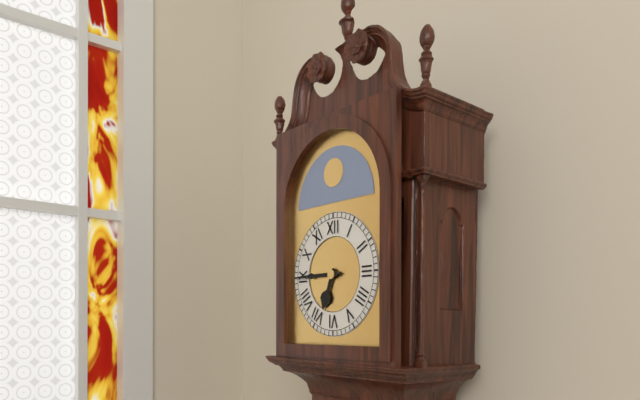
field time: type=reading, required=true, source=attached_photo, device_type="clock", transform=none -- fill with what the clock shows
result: 6:45
